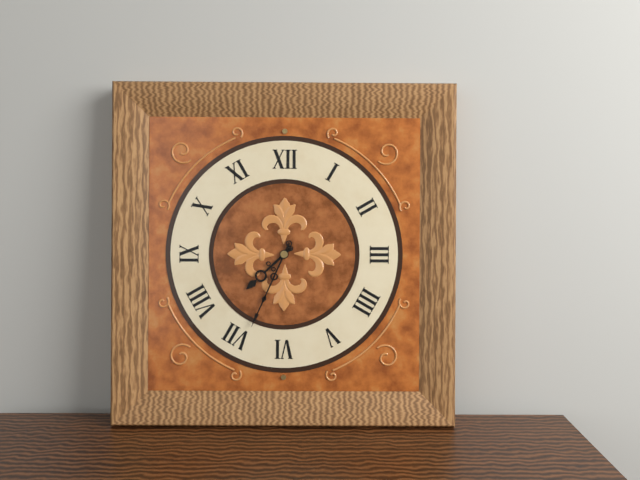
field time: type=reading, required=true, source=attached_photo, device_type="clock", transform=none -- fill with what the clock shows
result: 7:34
